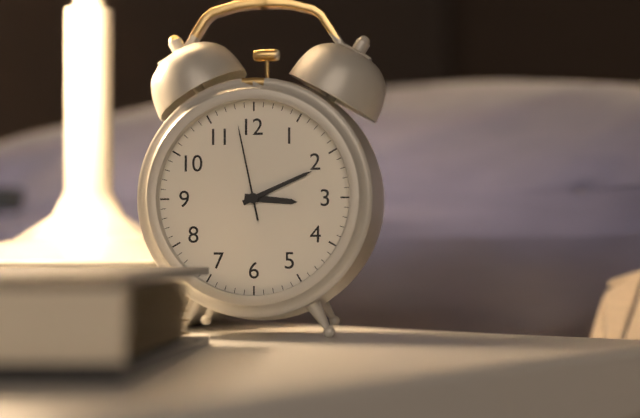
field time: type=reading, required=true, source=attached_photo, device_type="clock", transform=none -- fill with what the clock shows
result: 3:11:58
